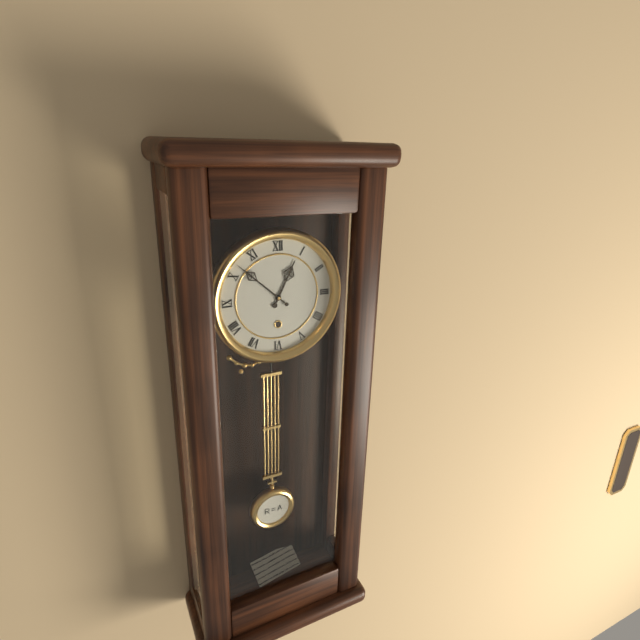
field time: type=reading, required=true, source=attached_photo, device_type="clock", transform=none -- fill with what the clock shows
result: 12:52
